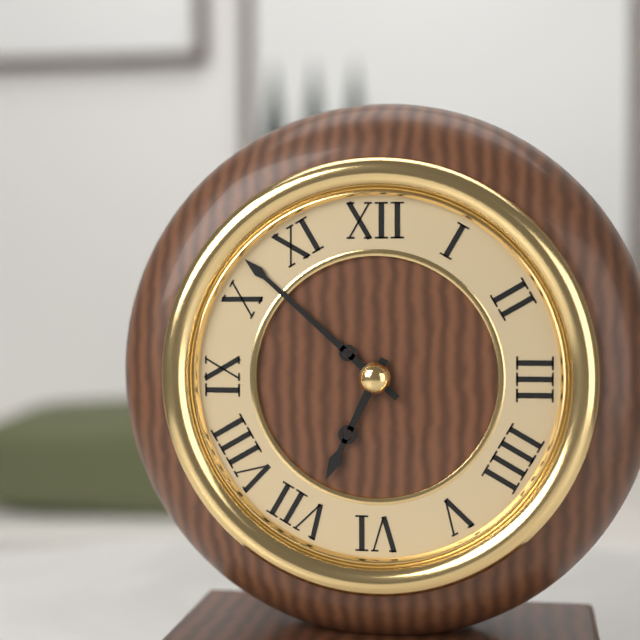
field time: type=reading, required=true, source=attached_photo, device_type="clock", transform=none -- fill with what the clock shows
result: 6:52
